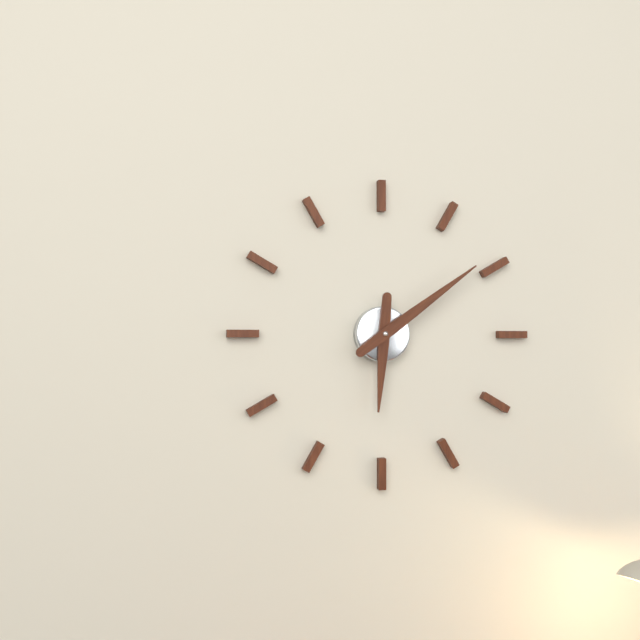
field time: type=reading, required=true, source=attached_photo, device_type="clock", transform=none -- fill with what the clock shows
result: 6:09
